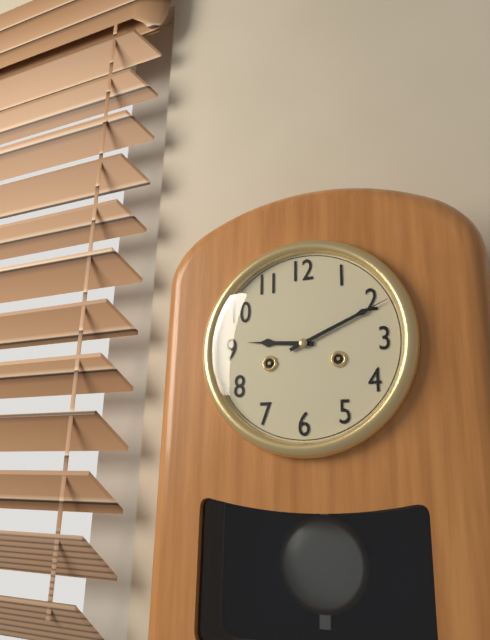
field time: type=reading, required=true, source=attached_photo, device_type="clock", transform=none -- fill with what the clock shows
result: 9:11
